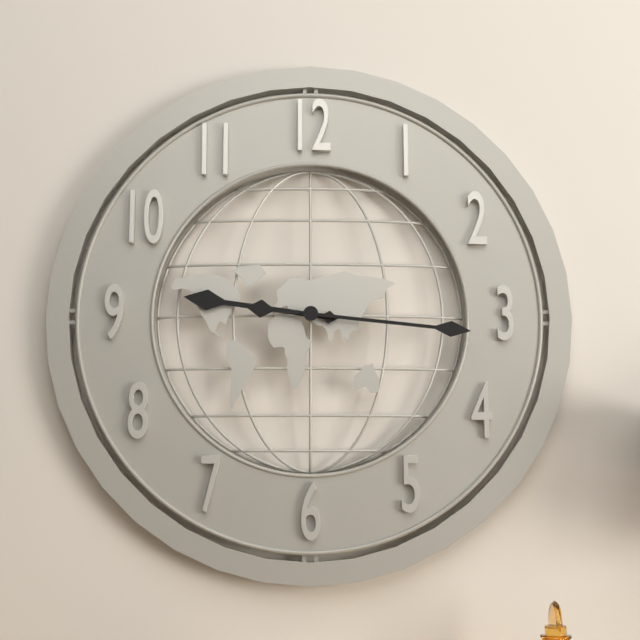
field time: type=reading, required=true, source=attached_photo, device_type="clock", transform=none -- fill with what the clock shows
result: 9:16
